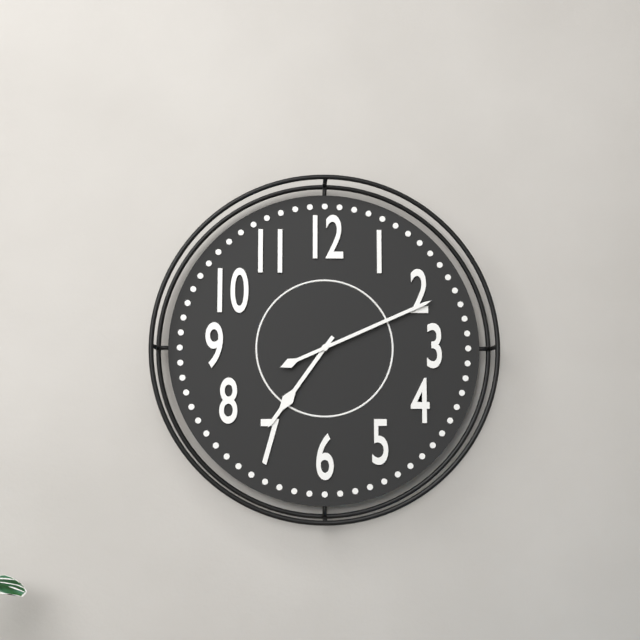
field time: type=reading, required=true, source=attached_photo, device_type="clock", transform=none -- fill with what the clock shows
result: 7:11
